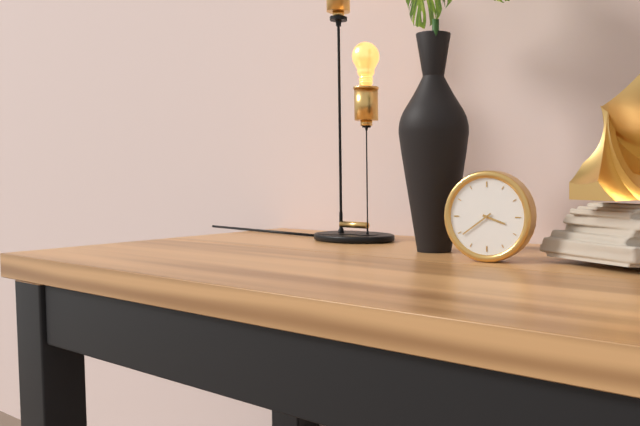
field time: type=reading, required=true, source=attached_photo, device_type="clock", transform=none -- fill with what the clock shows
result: 3:39
